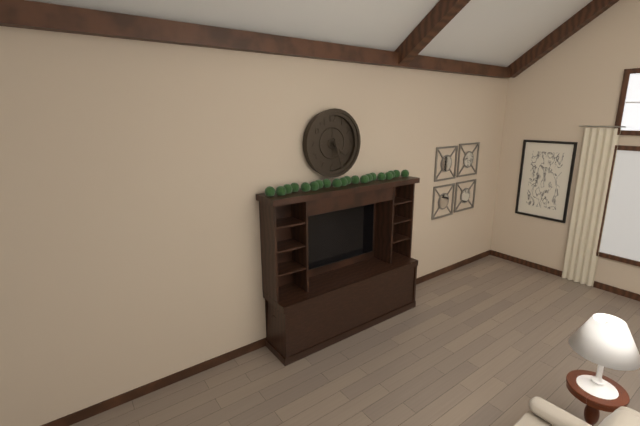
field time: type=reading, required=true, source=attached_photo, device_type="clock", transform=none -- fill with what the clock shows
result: 4:27
